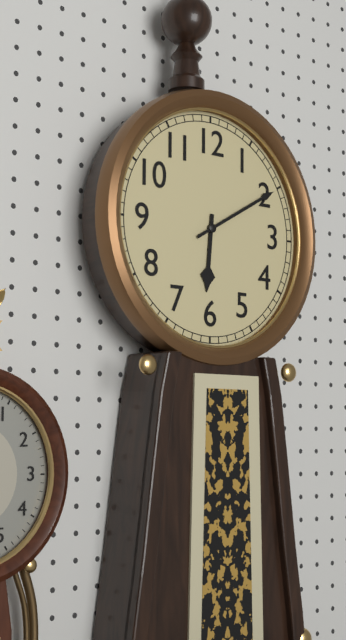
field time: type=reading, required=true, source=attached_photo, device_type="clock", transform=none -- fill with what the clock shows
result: 6:10
